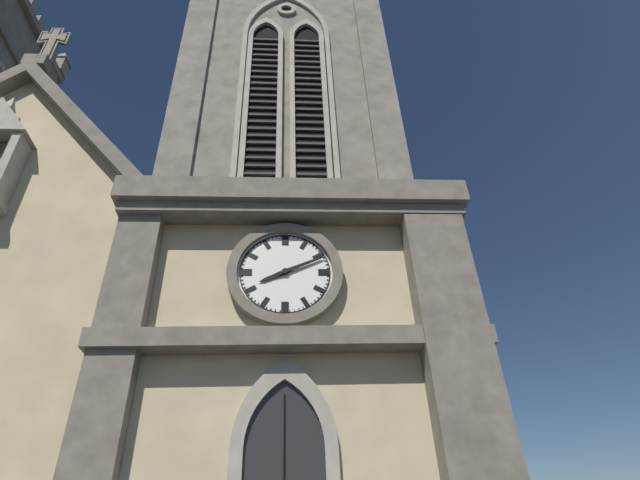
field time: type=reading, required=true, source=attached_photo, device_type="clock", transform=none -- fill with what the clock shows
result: 8:11
